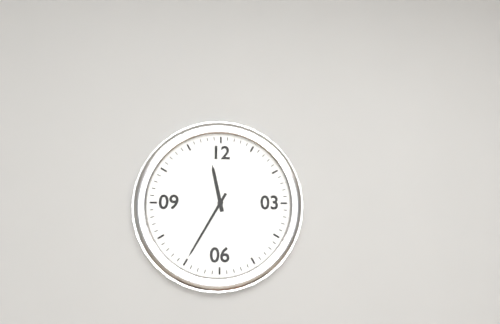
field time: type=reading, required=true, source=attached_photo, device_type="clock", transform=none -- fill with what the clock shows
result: 11:35
